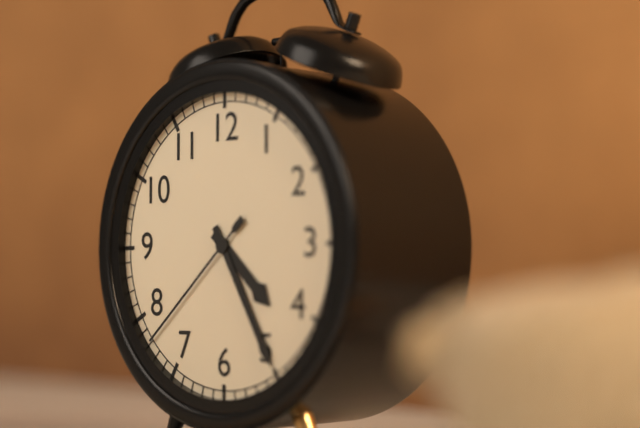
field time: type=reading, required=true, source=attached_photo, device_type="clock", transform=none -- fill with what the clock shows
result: 4:25:38
